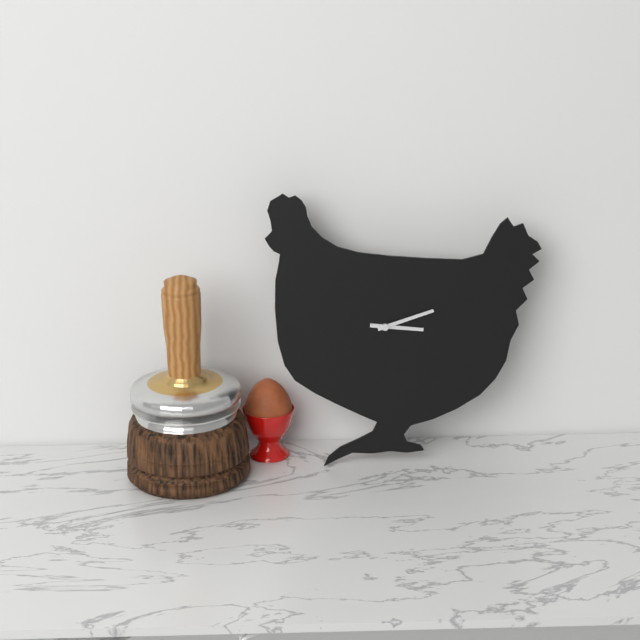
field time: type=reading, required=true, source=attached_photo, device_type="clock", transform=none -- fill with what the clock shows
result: 3:12
